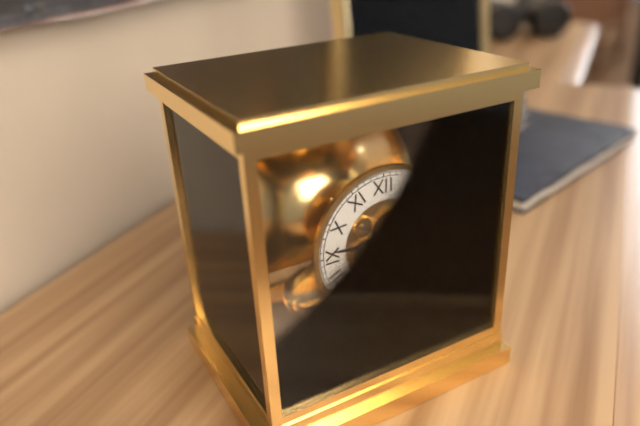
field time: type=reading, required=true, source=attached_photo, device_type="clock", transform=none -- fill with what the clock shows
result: 7:46
